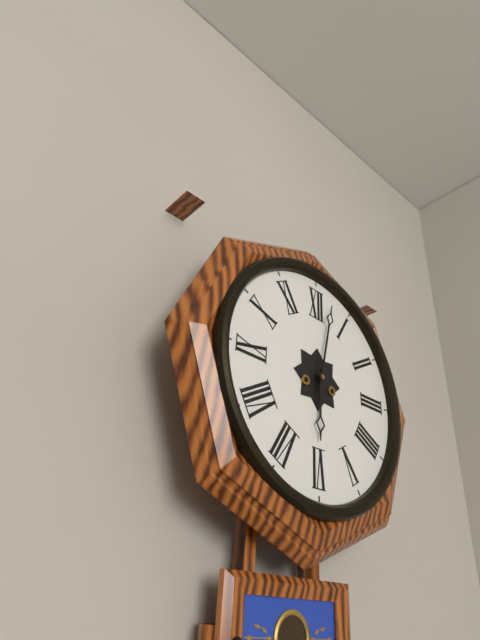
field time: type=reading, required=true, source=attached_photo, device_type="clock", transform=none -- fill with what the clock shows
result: 6:02
